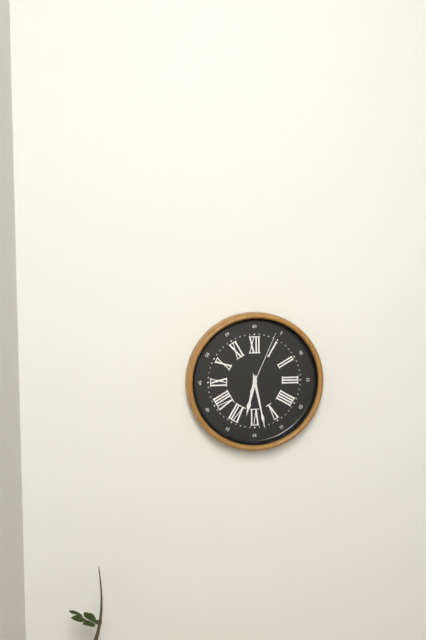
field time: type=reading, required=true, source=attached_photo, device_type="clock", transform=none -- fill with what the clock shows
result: 6:28:04
